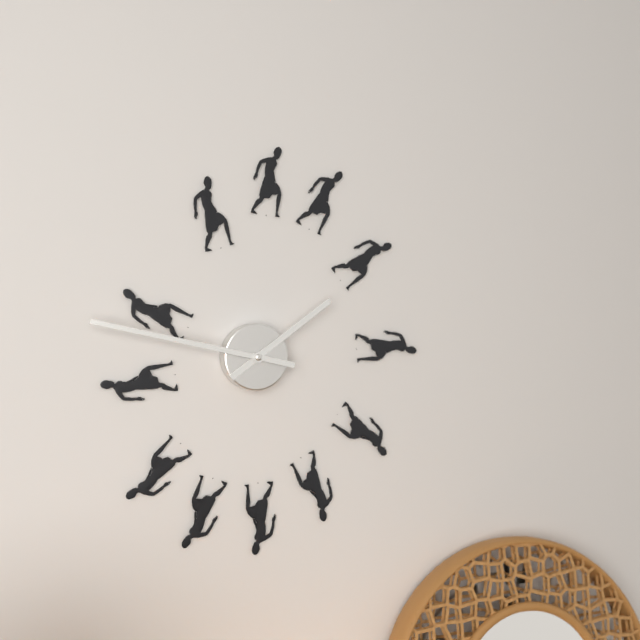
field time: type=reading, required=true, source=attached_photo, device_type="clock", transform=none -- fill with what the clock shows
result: 1:47
